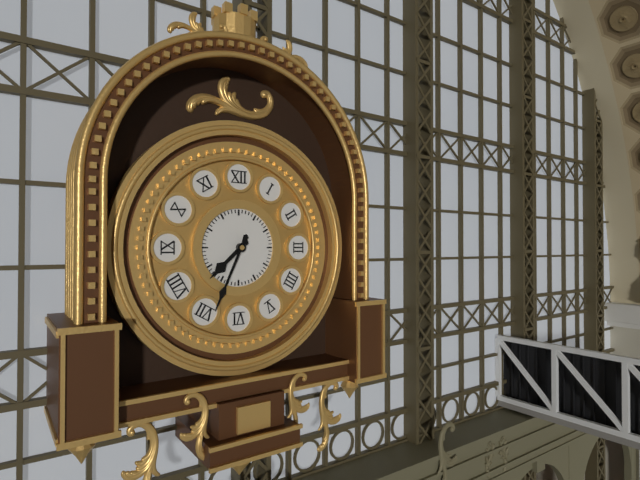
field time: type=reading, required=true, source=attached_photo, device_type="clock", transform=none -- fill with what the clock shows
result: 7:34
